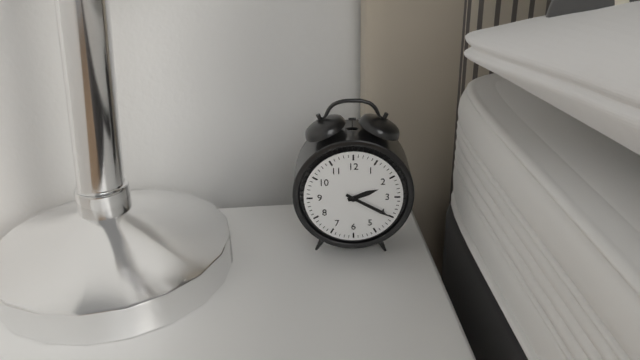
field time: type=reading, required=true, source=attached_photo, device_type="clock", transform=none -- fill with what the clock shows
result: 2:20
